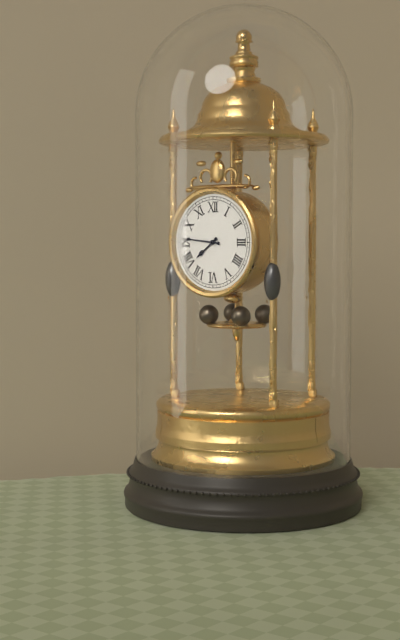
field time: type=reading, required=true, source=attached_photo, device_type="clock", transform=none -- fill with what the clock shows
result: 7:46
